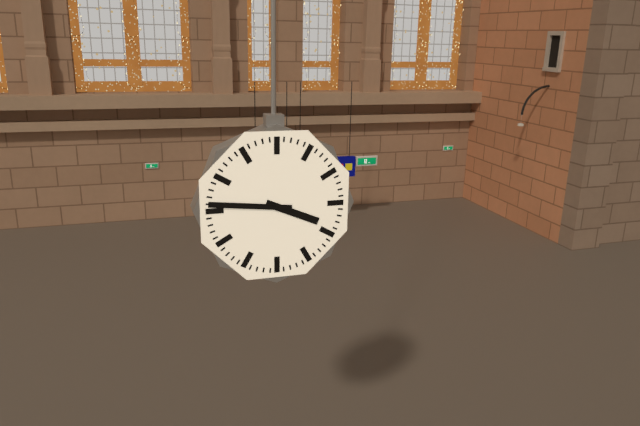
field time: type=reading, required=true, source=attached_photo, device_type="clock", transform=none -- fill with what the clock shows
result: 3:46
